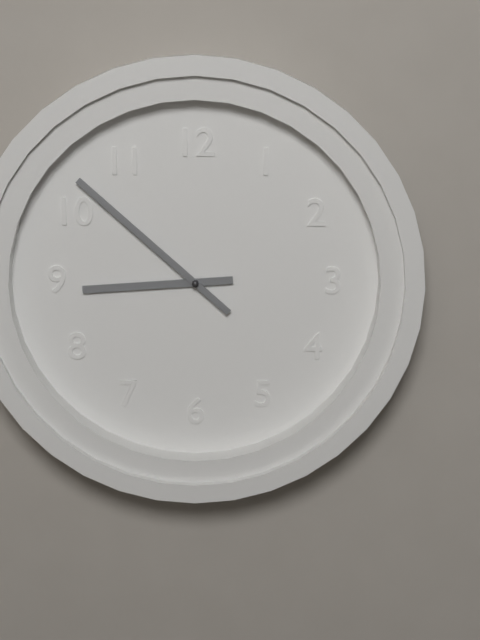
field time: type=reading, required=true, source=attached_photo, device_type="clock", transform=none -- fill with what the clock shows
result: 8:52
